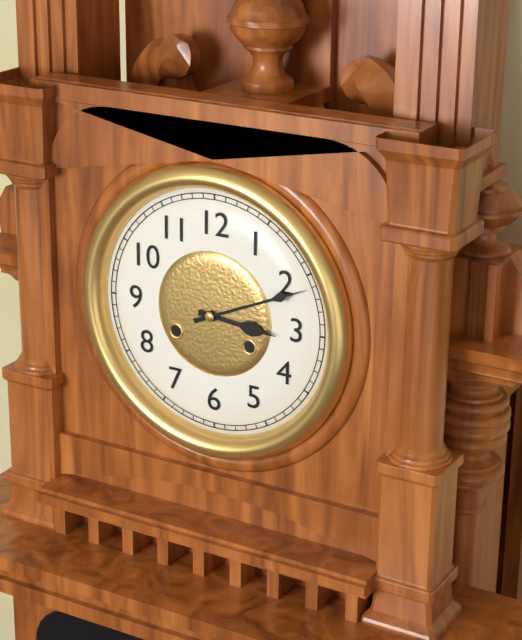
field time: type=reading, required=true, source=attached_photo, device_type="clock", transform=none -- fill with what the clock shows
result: 3:11
